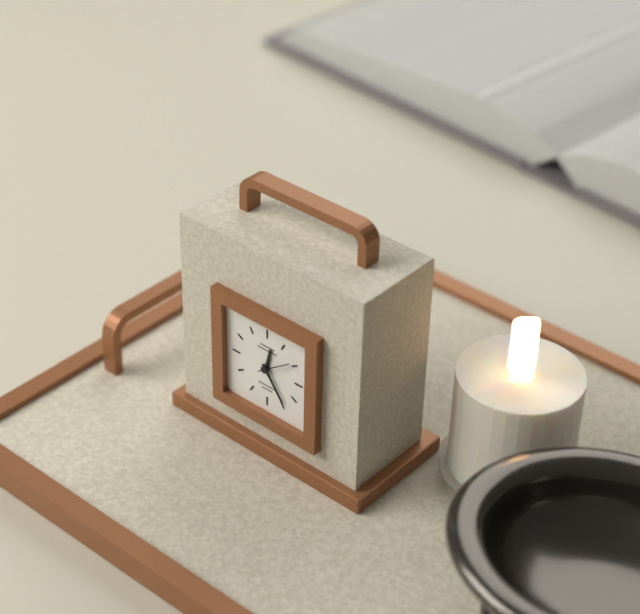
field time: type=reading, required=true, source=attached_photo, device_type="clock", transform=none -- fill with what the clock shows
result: 12:24
